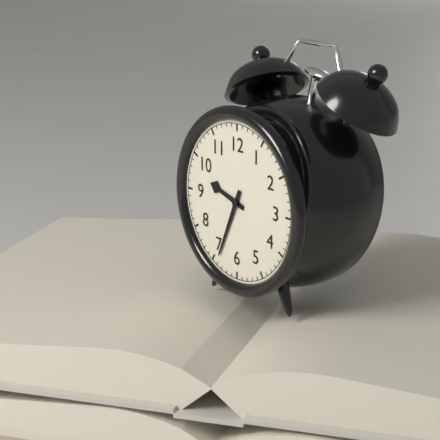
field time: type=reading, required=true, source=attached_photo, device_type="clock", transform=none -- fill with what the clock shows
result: 9:34
